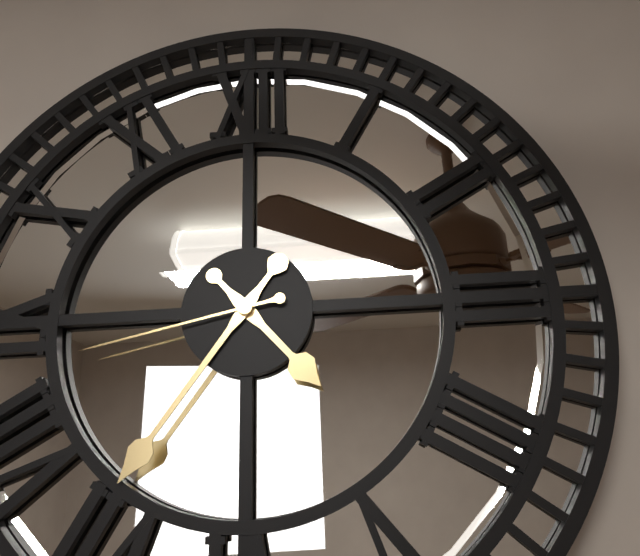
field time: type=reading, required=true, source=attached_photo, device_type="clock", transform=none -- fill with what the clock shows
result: 4:36:43
